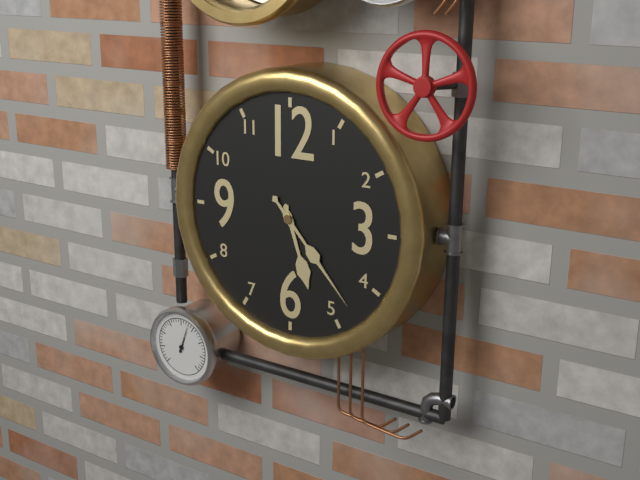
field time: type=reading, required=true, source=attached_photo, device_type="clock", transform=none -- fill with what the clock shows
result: 5:23
